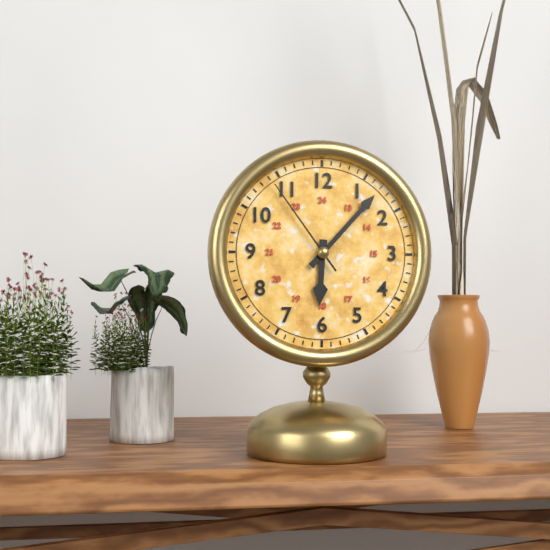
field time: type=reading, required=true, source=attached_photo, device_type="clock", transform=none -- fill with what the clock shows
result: 6:07:54
